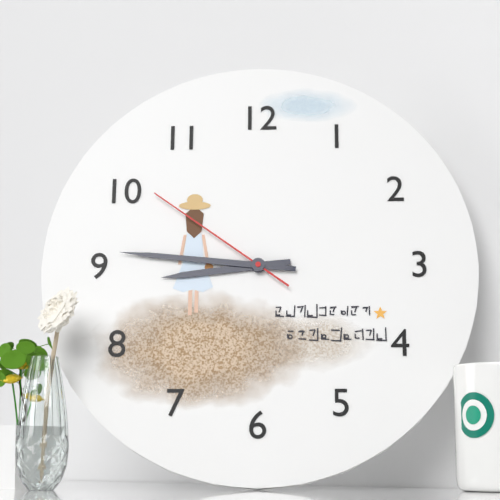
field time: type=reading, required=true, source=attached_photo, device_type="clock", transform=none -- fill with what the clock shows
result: 8:46:51
